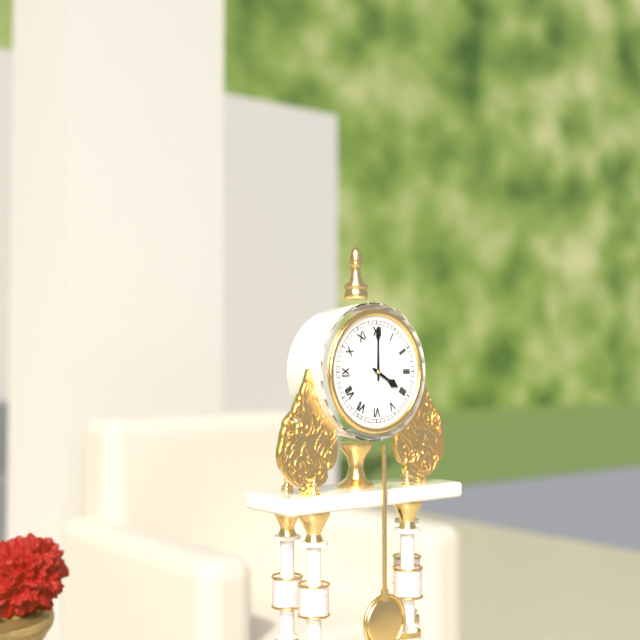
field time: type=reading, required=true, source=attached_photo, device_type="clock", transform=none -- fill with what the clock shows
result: 4:00
